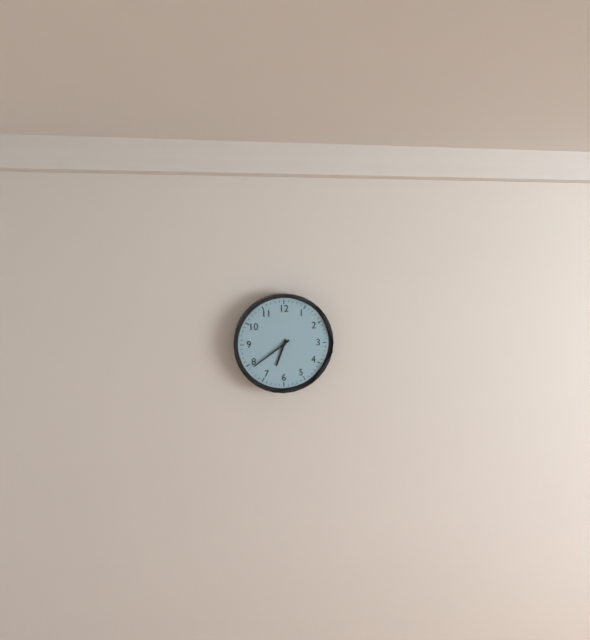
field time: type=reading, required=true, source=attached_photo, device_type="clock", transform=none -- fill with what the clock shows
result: 6:39
